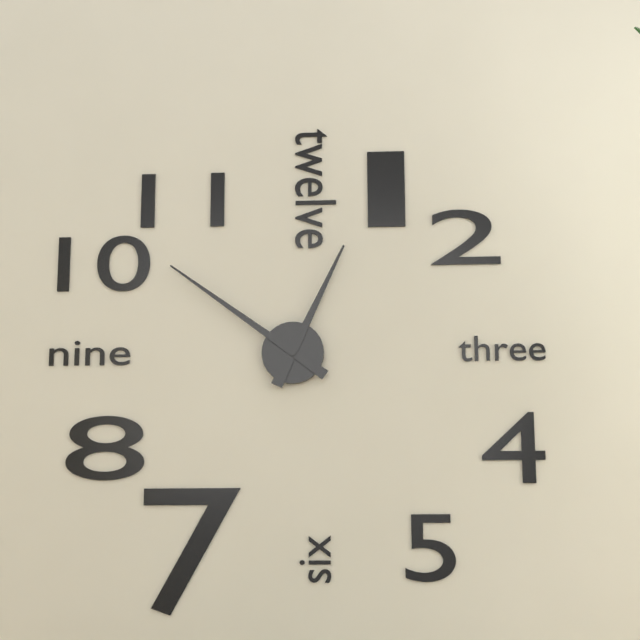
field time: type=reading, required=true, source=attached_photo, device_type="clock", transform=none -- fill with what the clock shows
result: 12:51
